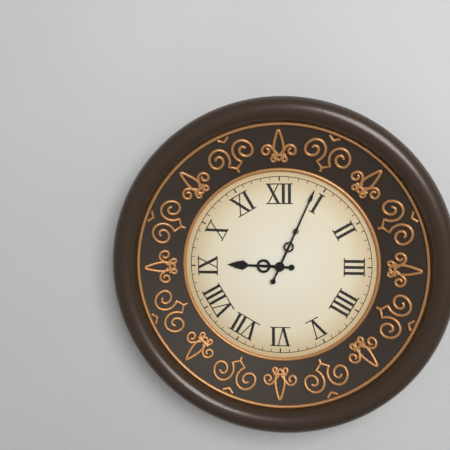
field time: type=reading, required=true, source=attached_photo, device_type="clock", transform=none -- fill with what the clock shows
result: 9:04
